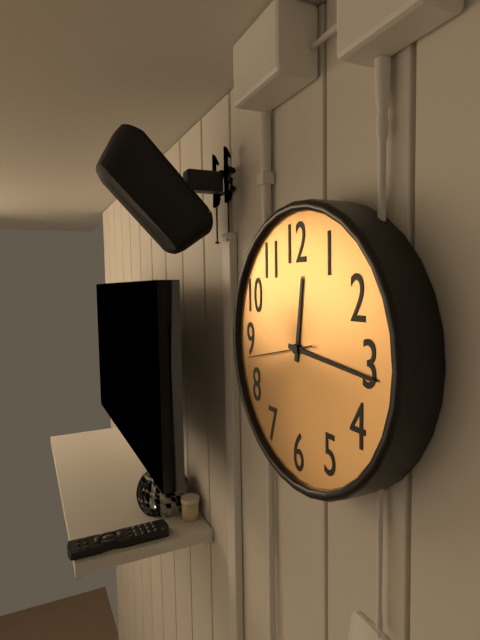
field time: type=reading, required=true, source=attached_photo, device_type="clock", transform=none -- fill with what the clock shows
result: 12:16:43
